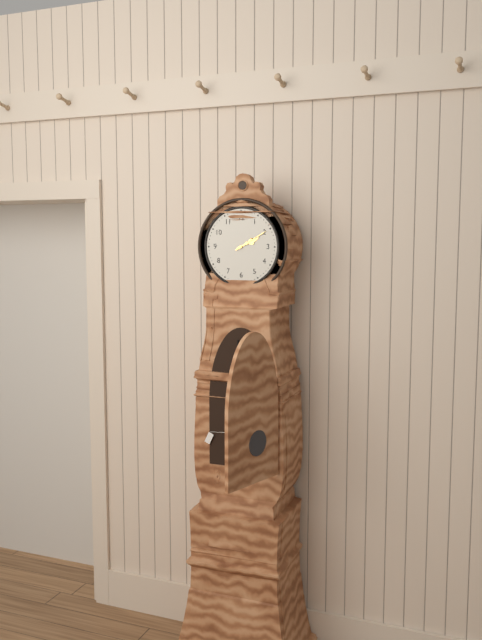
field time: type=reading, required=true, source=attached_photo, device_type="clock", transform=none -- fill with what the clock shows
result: 2:10
